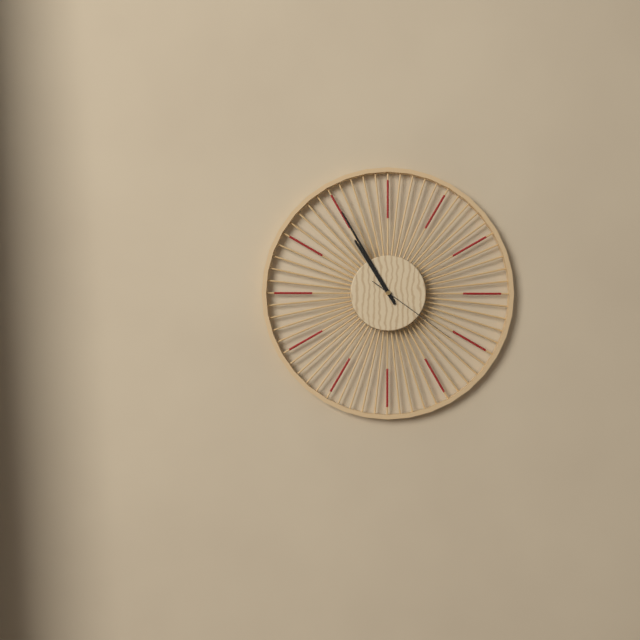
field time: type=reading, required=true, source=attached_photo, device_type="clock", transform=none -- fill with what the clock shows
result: 10:55:21
